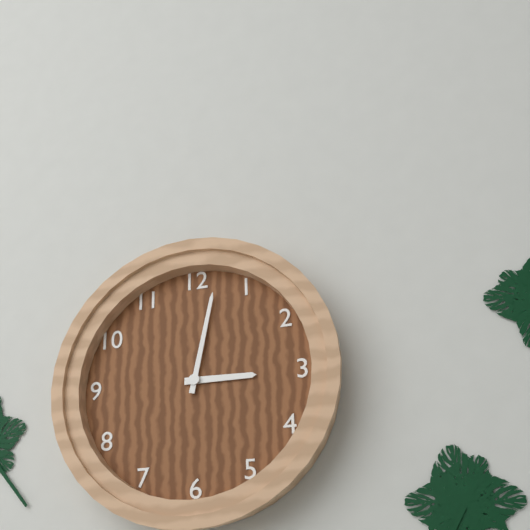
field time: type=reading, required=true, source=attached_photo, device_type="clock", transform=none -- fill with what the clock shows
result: 3:02
